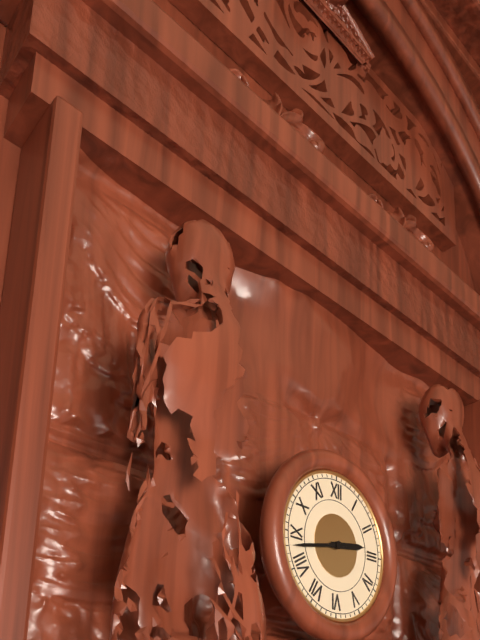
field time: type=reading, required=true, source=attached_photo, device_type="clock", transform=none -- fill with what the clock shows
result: 2:43
